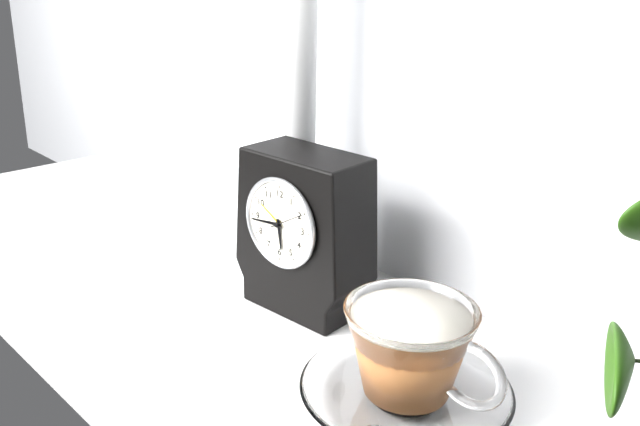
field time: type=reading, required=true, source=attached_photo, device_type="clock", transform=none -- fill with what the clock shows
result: 5:44
